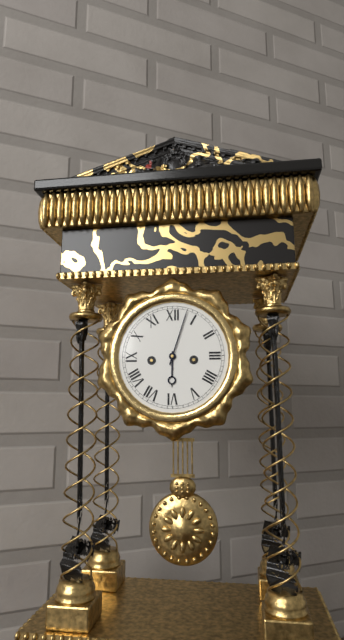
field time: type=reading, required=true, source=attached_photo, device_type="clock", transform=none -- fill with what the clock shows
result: 6:03
